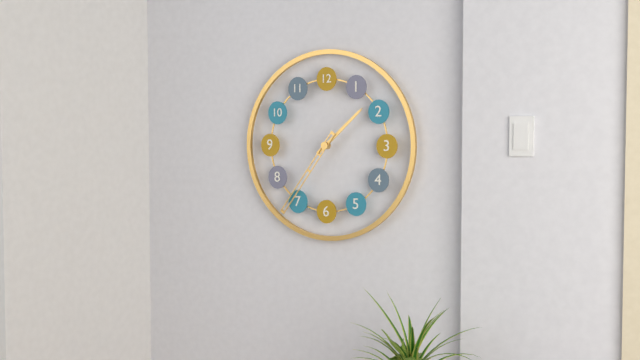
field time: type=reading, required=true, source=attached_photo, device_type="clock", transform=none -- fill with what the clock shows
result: 1:36
